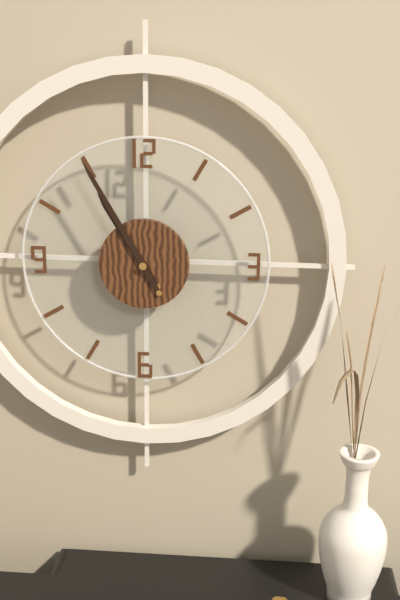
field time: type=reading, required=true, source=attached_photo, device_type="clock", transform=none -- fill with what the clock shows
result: 10:55
